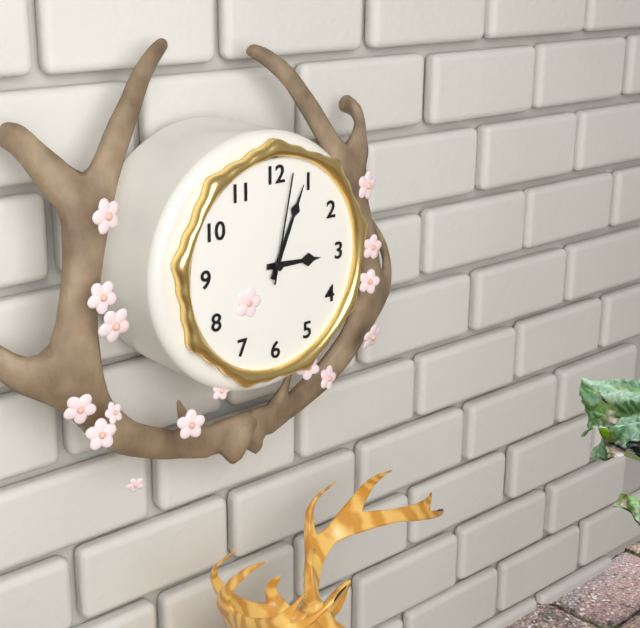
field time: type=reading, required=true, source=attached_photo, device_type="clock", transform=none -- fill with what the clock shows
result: 3:04:02
